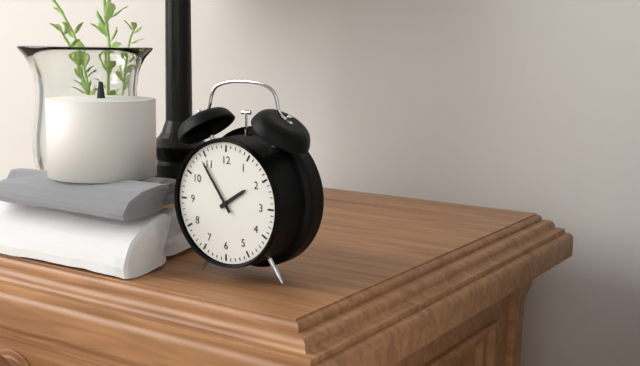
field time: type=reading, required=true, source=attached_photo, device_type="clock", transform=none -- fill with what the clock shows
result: 1:54
